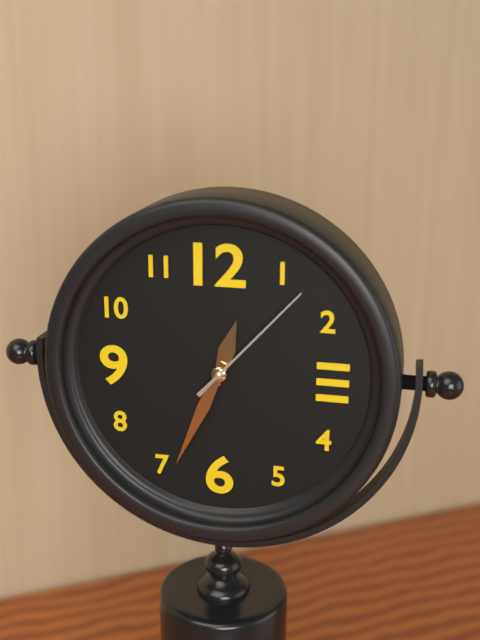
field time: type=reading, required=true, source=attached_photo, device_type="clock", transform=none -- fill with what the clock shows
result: 12:34:07
